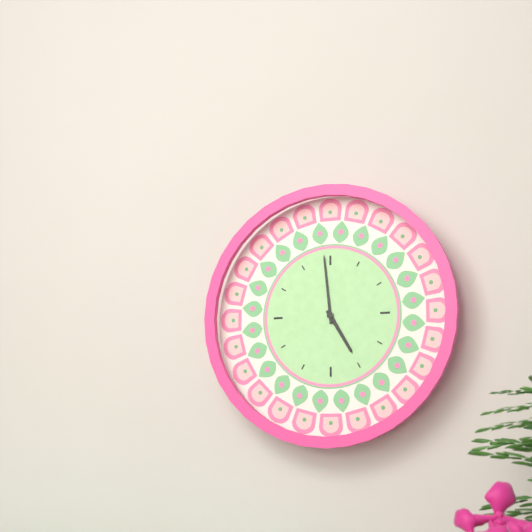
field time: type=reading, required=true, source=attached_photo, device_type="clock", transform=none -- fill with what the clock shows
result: 4:59
